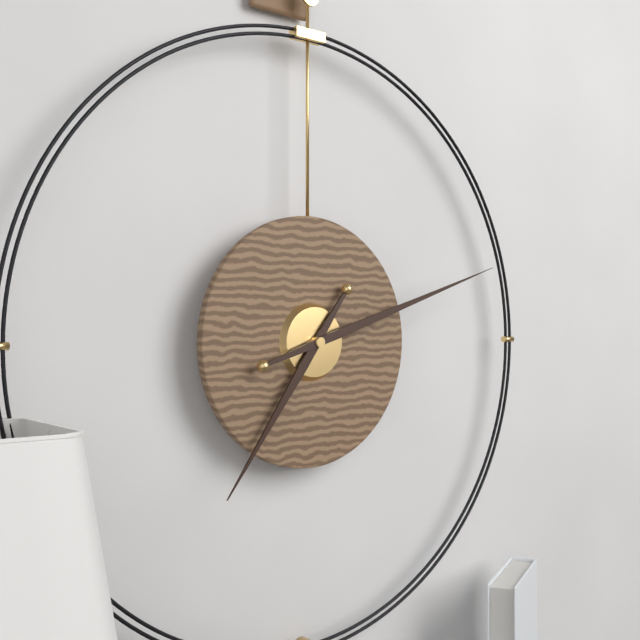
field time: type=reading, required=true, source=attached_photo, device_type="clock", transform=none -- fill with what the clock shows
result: 7:12
